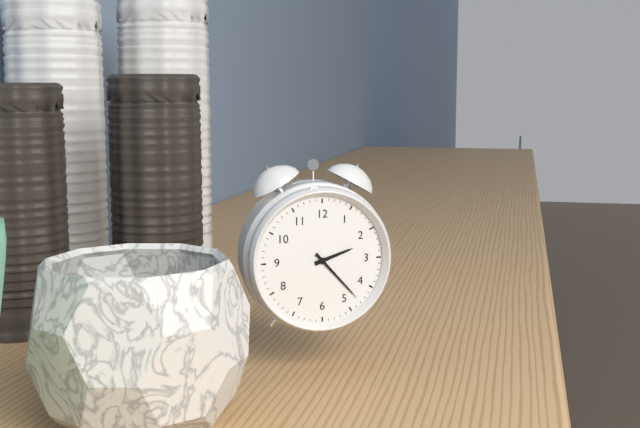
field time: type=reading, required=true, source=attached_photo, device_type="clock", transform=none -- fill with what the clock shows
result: 2:23
